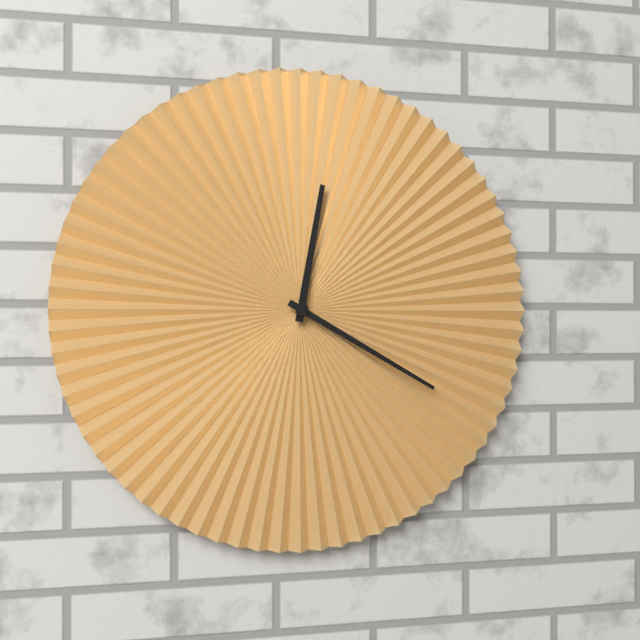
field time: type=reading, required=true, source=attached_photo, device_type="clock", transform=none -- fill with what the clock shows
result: 12:20
